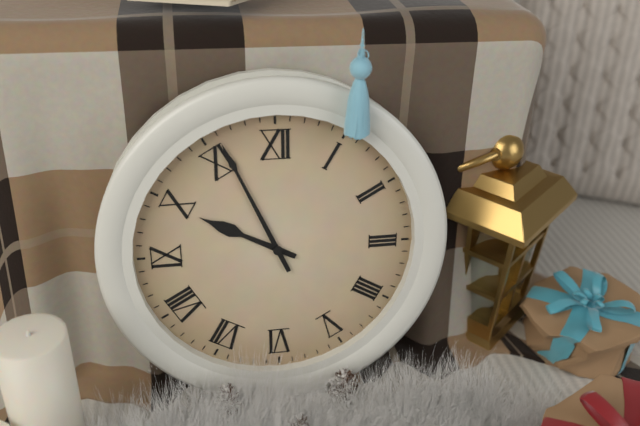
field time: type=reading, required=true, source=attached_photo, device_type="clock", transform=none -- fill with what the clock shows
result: 9:56
